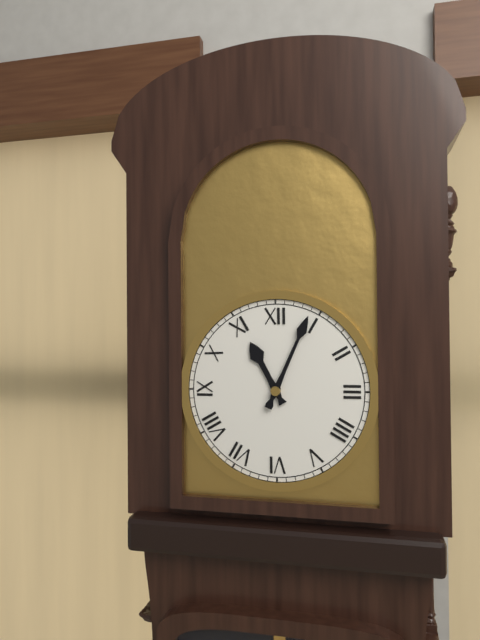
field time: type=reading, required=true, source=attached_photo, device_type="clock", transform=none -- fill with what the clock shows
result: 11:04
